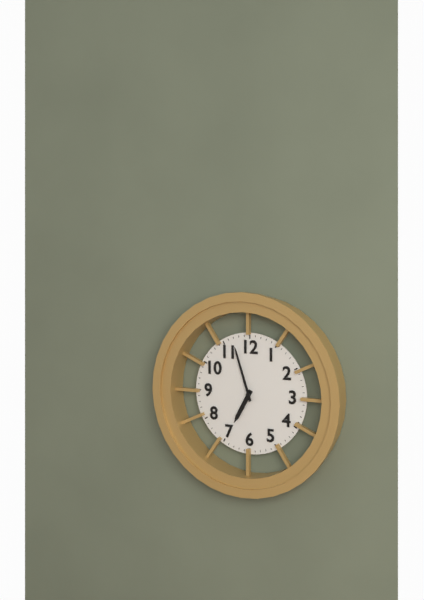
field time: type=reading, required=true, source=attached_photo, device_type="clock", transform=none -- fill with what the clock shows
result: 6:57
